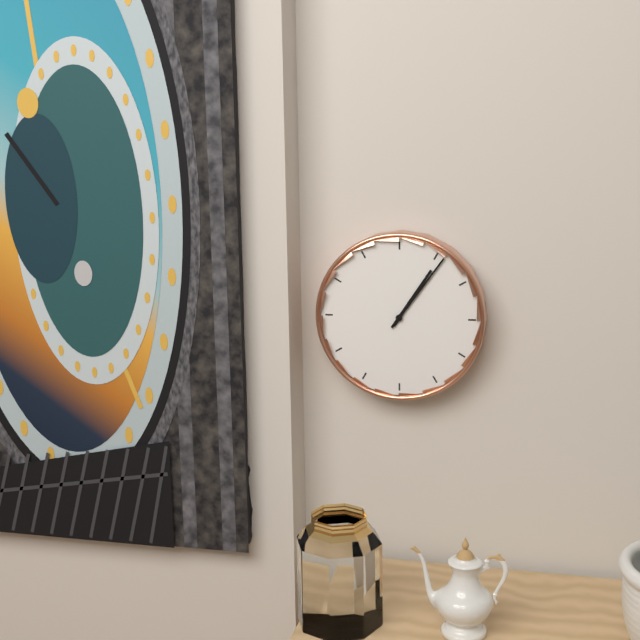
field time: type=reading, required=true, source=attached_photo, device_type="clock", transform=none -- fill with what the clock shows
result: 1:06
